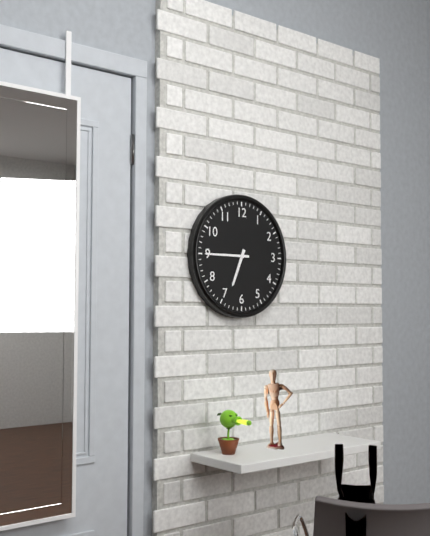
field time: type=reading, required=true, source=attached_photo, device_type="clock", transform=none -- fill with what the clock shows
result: 6:45
